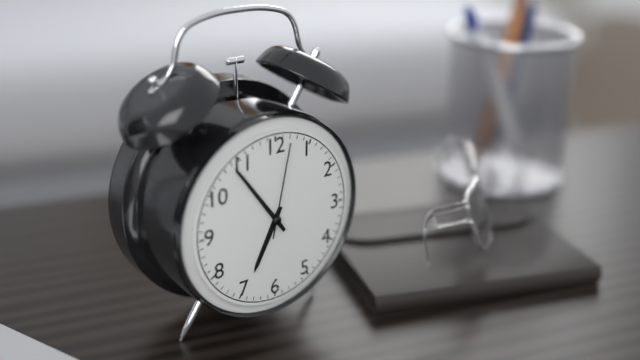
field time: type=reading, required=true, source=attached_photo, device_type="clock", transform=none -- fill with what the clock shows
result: 6:54:02
